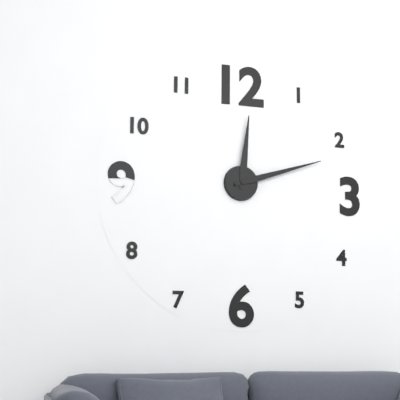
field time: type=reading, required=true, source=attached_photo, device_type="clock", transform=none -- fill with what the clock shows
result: 12:12
